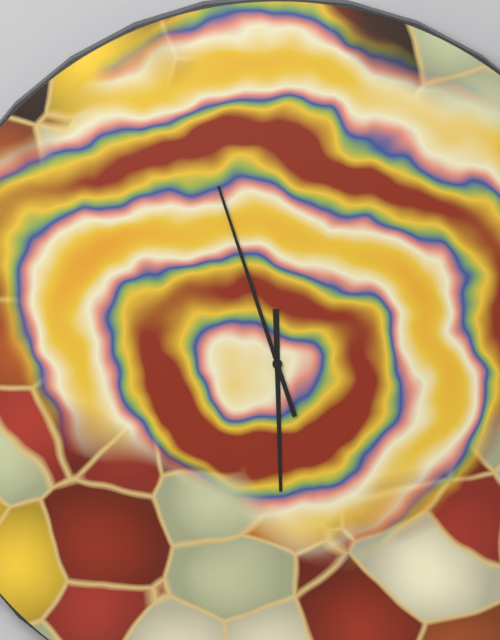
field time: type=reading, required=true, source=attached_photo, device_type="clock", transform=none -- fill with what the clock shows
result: 5:57
